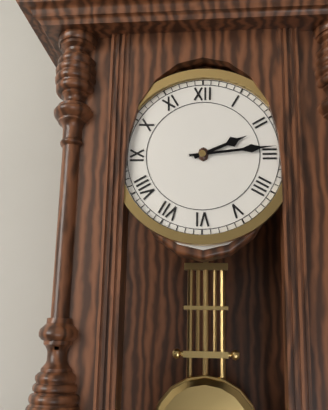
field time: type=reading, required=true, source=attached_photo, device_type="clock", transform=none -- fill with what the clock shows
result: 2:14
